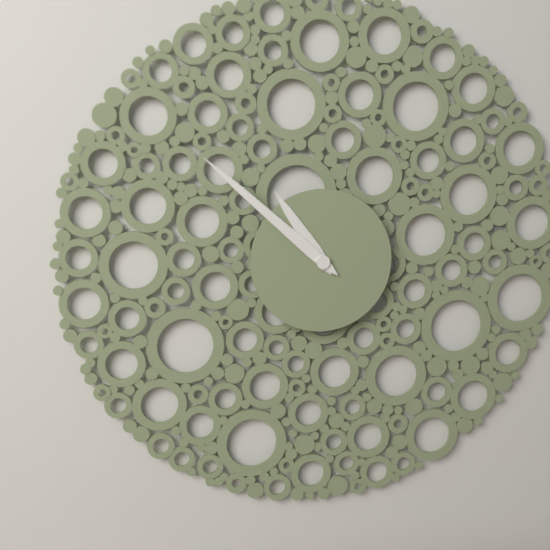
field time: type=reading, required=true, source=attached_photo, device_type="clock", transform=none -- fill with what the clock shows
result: 10:52
